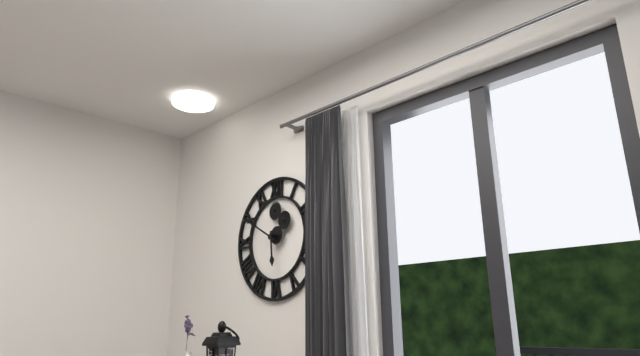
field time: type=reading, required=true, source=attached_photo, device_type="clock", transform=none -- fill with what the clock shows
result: 5:50
